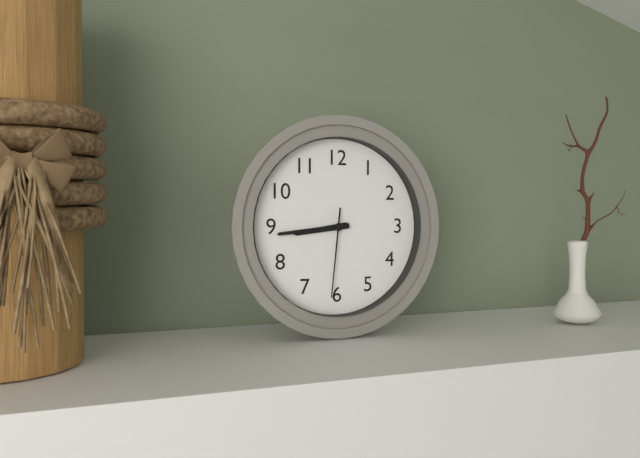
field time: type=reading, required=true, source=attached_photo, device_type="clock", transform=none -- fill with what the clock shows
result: 8:44:31
